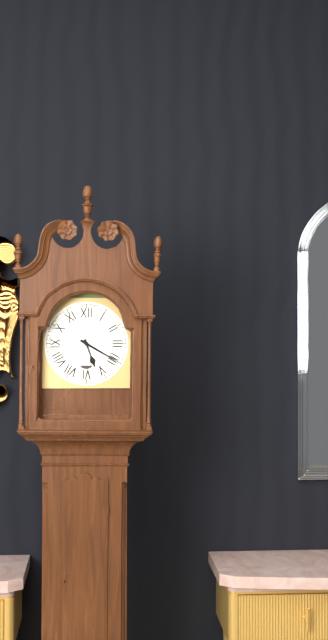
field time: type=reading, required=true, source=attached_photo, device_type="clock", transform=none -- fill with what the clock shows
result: 5:20
